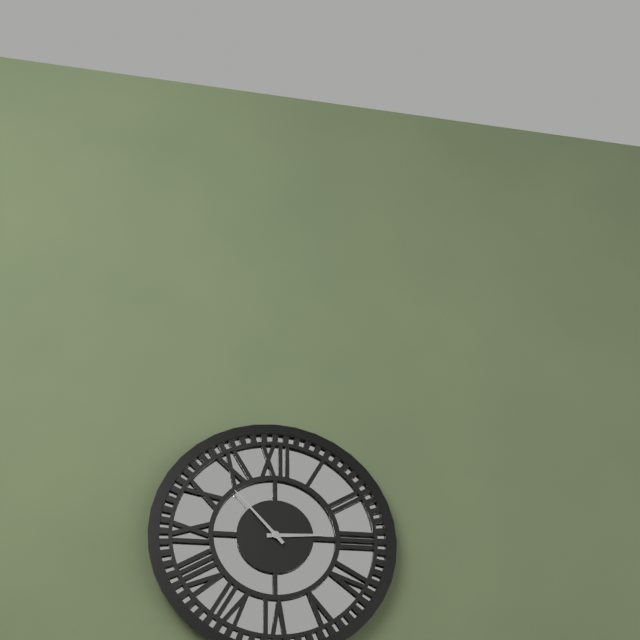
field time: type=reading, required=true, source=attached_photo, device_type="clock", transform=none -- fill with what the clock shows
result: 2:53
